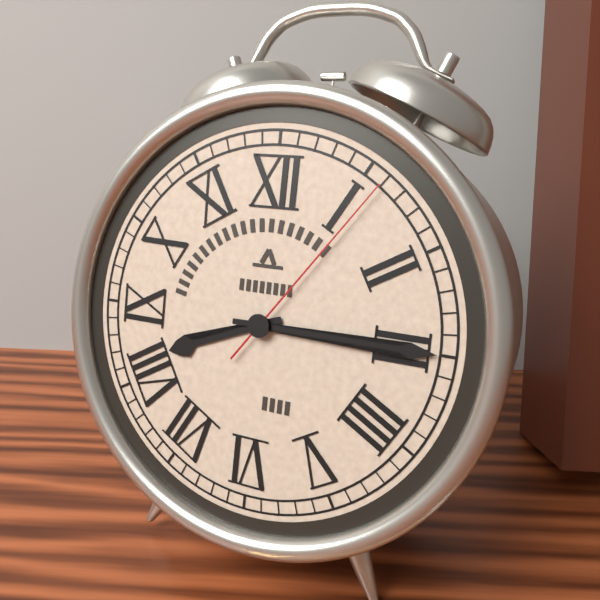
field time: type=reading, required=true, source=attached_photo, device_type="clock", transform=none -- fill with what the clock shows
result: 8:15:06
